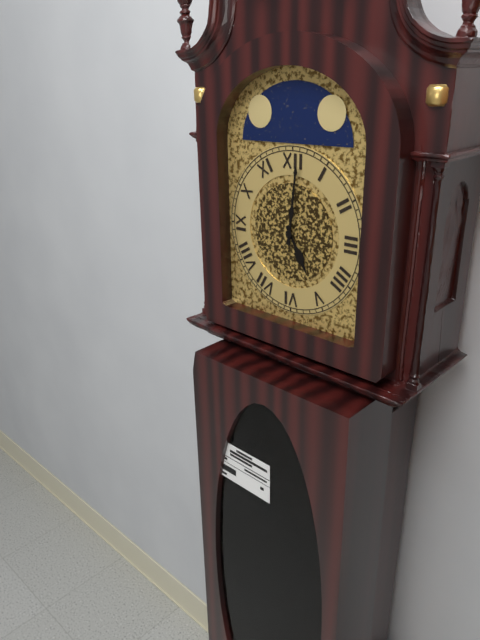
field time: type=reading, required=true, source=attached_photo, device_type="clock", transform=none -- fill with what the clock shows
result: 5:01
